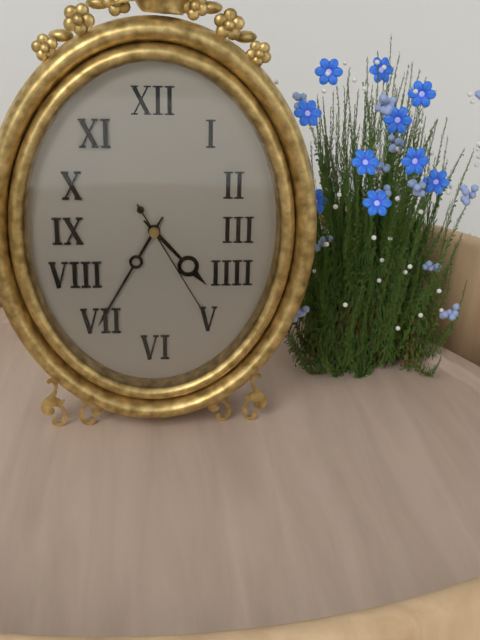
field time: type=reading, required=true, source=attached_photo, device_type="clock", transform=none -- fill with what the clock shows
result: 4:35:25
